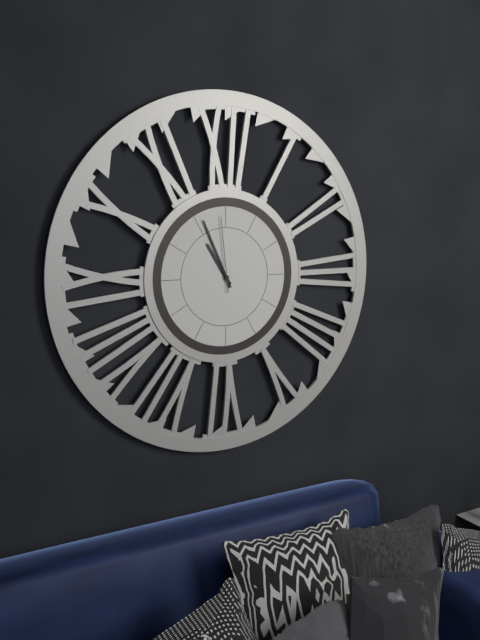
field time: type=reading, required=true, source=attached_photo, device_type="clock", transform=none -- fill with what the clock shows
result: 10:56:59
